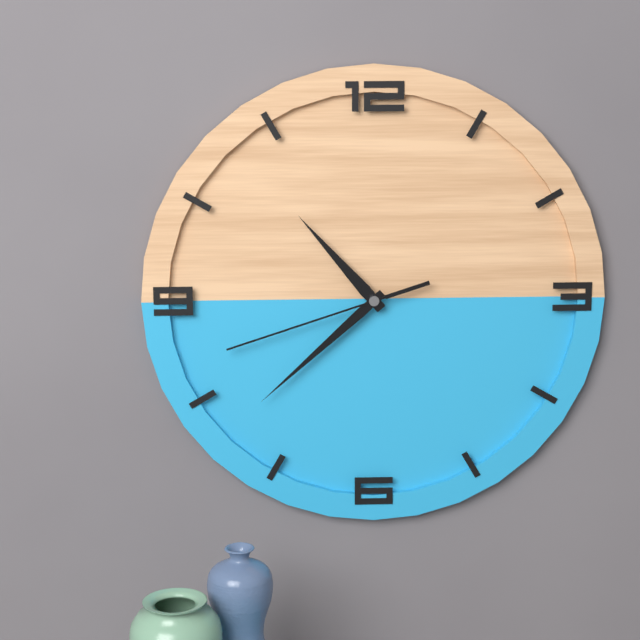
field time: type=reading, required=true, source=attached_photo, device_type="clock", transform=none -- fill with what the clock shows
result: 10:38:42
